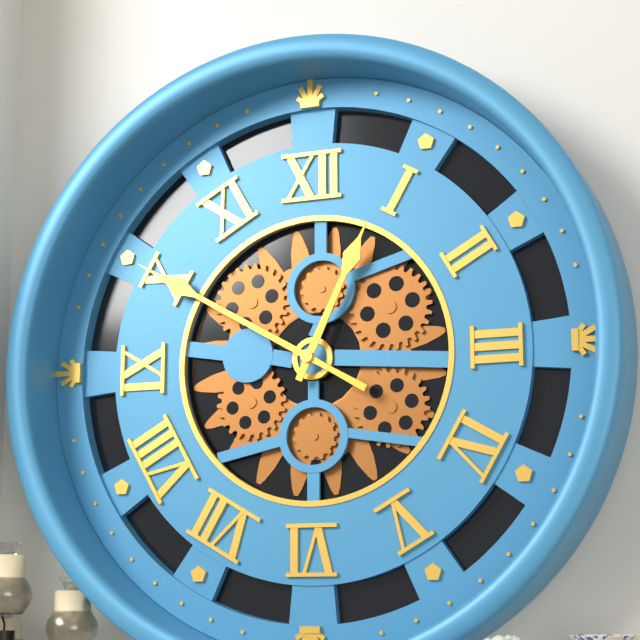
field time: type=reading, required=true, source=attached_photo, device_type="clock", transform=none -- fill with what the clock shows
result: 12:50
